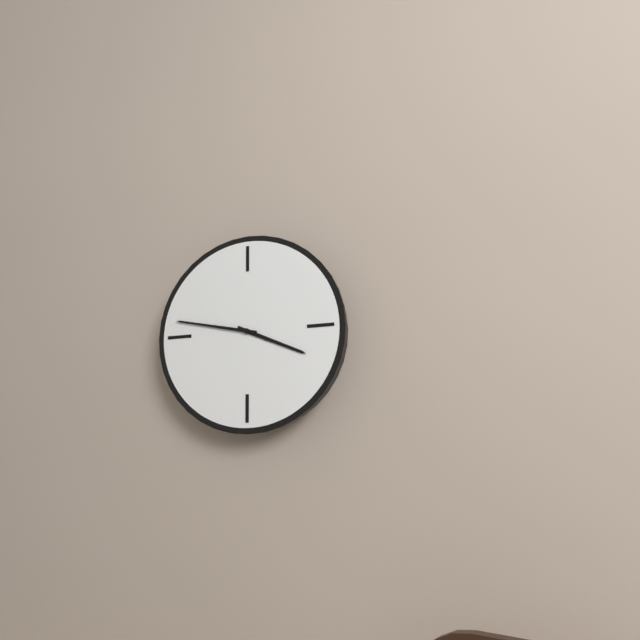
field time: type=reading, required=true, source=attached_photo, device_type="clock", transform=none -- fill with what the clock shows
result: 3:47
